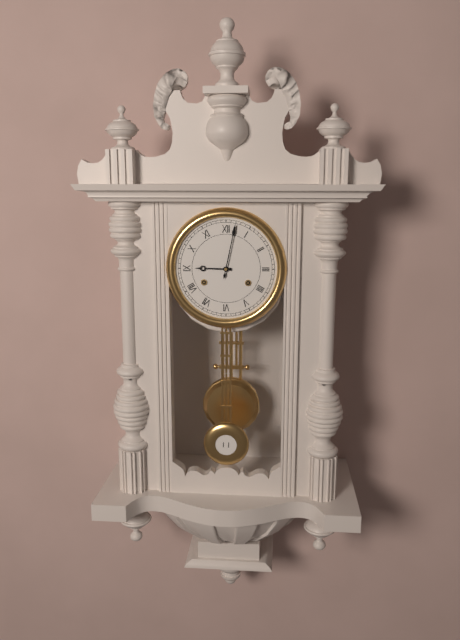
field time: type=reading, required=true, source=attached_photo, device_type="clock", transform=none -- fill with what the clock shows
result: 9:02
